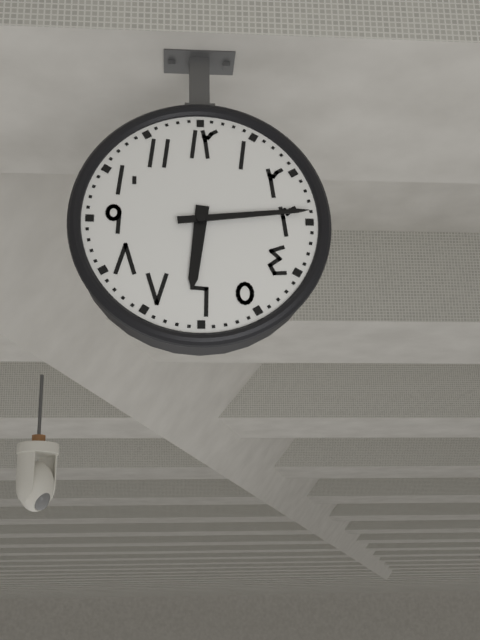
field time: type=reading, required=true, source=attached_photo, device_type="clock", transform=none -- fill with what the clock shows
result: 6:14
